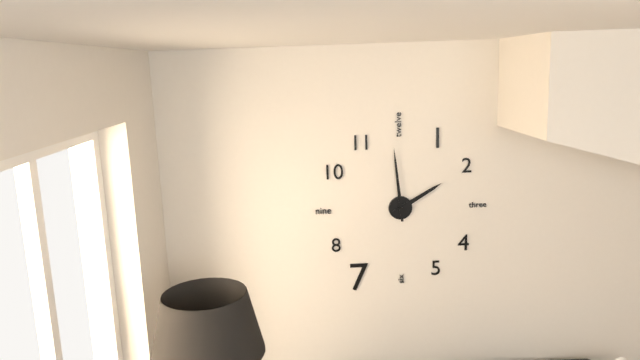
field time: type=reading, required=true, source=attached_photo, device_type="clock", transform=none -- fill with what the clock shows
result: 1:59
